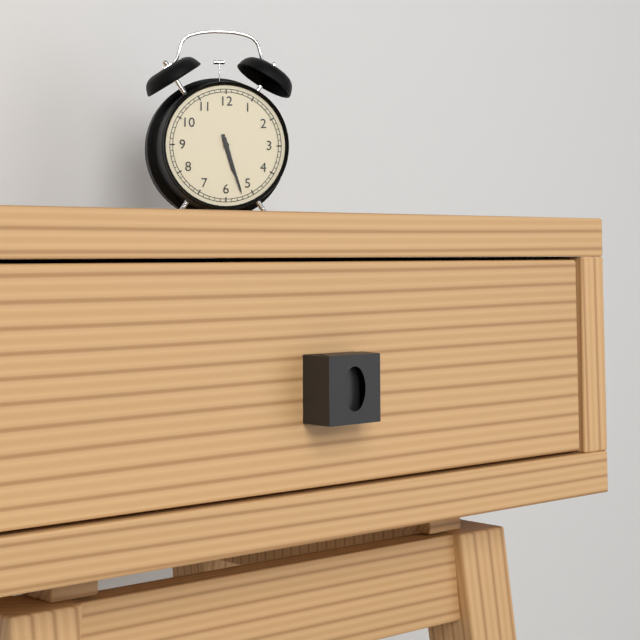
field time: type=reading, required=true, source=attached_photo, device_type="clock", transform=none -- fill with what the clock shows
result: 5:27
